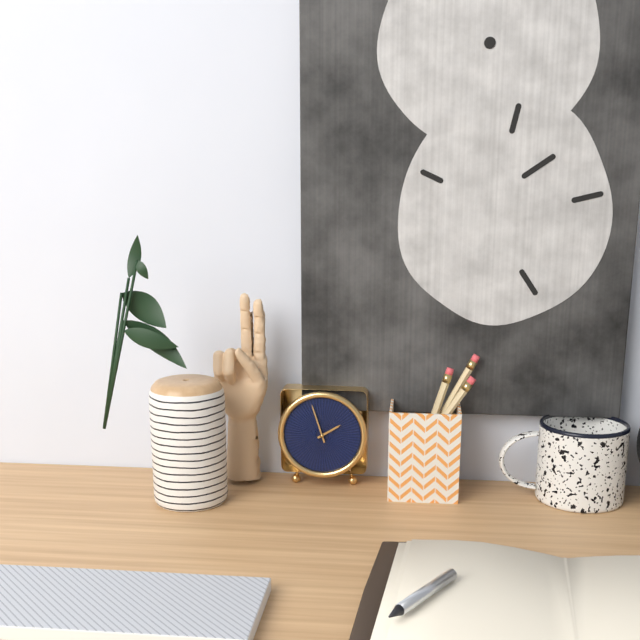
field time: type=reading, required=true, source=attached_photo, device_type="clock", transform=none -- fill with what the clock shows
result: 1:57
